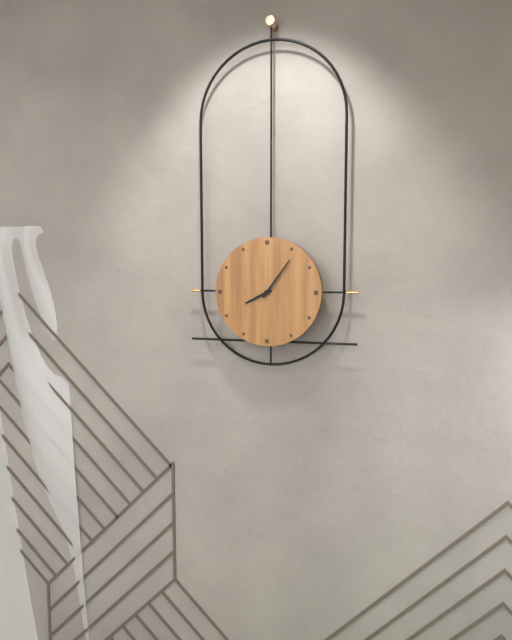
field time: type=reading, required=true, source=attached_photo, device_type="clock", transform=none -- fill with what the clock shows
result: 8:06
